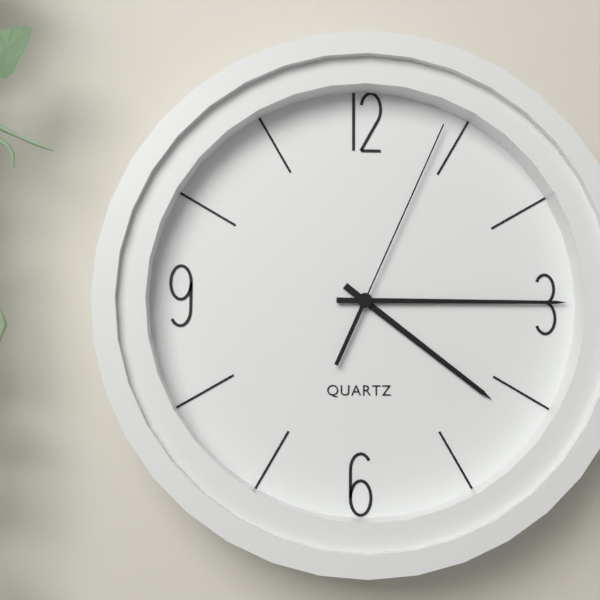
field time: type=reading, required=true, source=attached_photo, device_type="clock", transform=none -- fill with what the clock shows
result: 4:15:04
